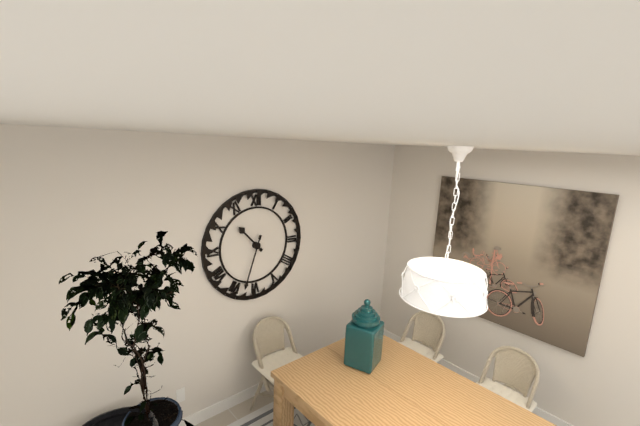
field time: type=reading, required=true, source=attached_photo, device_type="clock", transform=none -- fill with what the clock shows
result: 10:33
